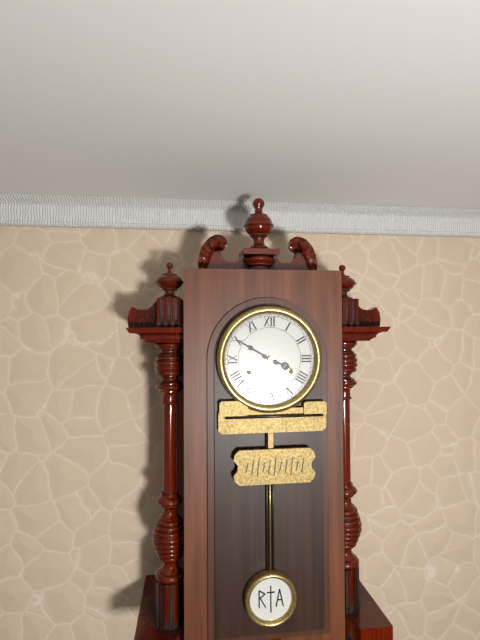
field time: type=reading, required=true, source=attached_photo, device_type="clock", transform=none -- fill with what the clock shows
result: 3:50
